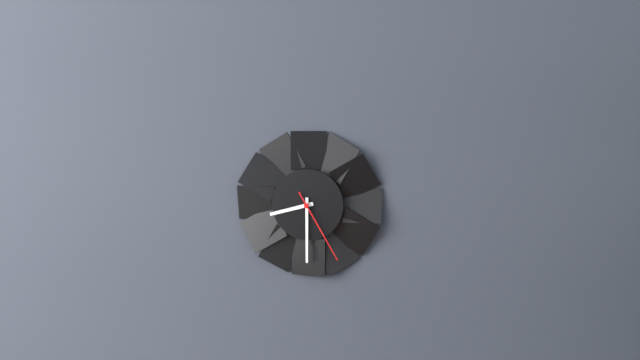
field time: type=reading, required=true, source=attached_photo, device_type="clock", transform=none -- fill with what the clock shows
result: 8:30:25
